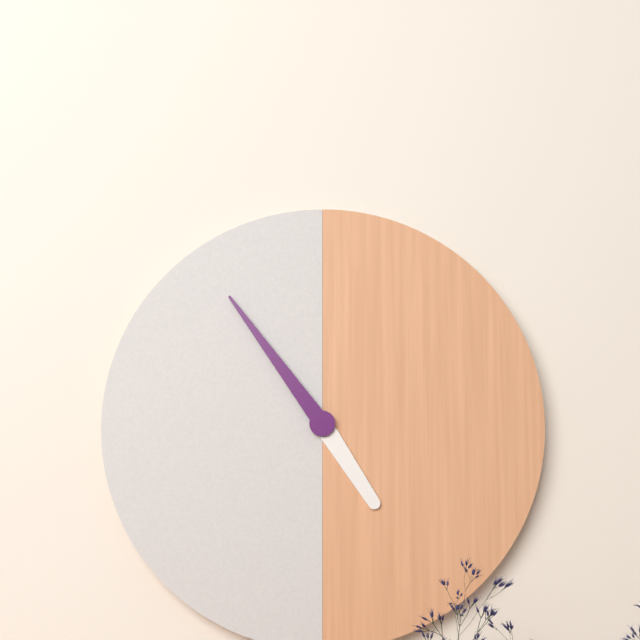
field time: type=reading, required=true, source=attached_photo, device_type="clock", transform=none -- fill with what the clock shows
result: 4:54
